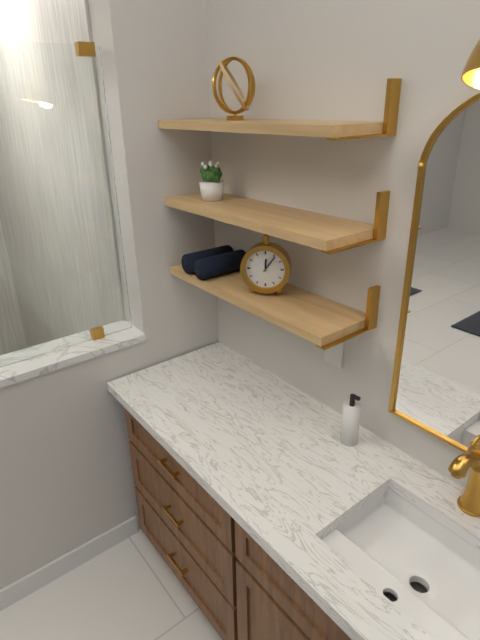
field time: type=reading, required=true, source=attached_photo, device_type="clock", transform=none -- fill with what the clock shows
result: 12:06
